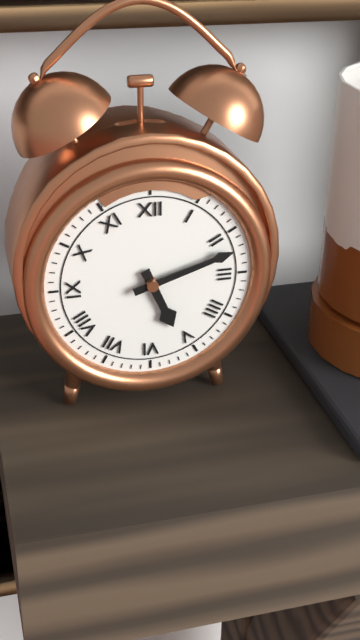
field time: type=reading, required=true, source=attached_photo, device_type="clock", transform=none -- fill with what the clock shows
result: 5:12
